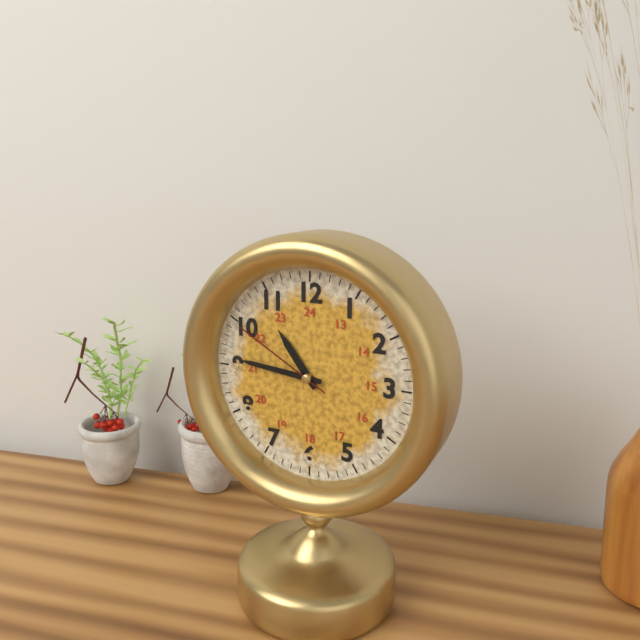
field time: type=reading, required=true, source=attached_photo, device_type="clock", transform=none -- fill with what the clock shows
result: 10:46:50
